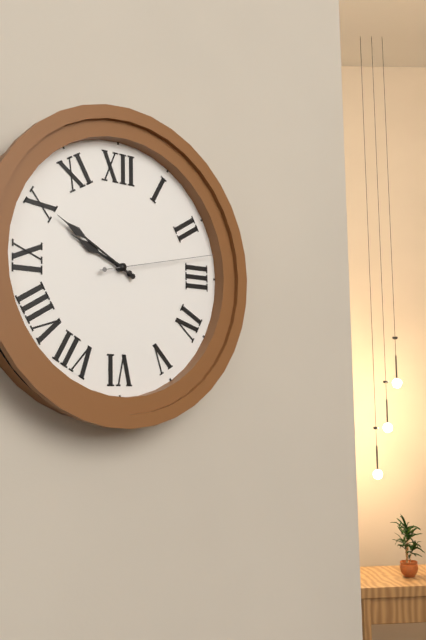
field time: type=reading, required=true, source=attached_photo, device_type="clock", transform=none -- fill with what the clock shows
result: 9:50:13
